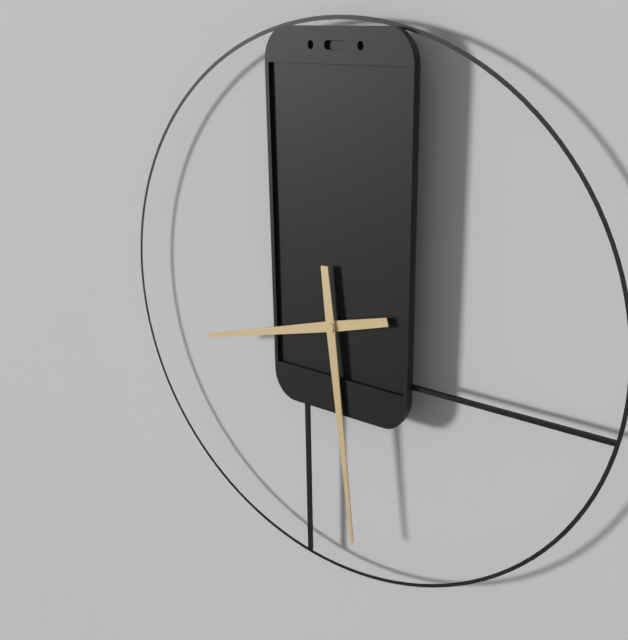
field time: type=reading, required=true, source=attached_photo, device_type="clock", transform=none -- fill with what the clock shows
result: 8:29
